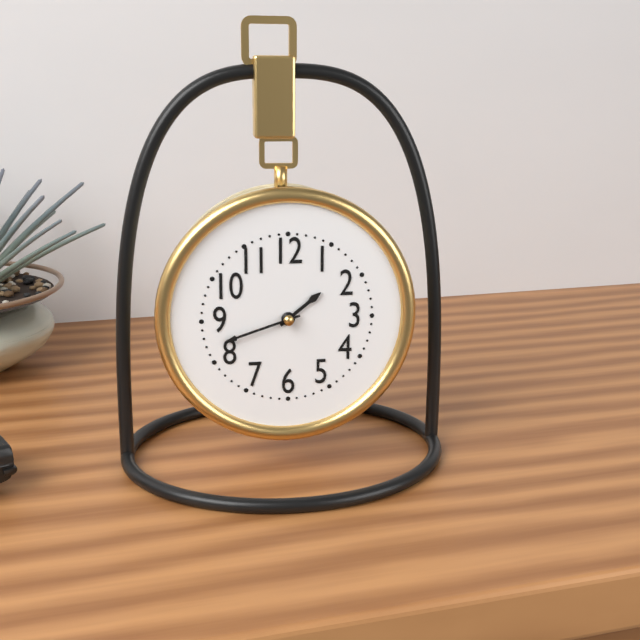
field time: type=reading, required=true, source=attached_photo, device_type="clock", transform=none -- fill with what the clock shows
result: 1:42
